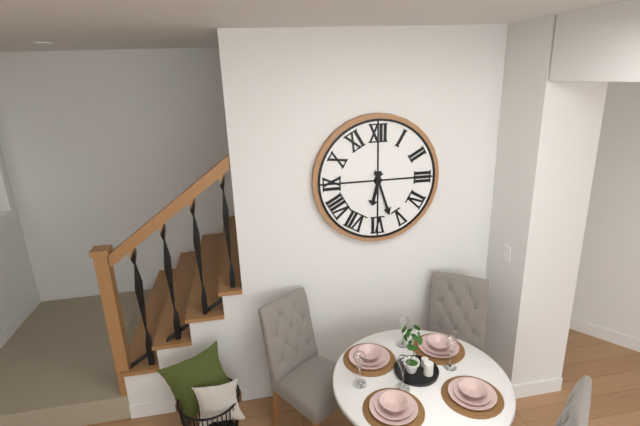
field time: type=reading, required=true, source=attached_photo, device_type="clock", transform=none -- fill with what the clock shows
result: 6:27
